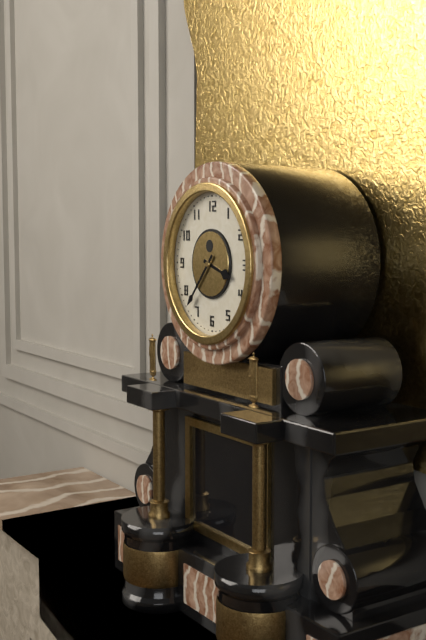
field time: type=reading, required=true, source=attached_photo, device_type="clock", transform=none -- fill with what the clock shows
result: 3:37
